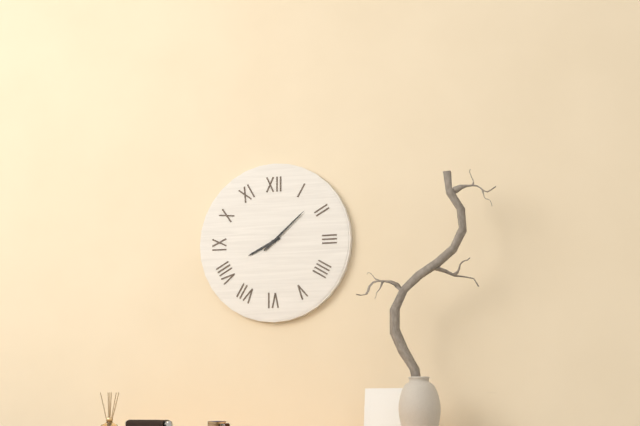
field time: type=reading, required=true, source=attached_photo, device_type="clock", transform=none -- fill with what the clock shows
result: 8:08
